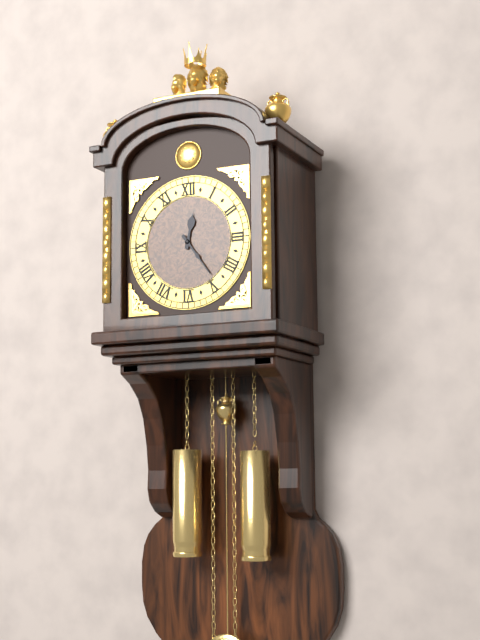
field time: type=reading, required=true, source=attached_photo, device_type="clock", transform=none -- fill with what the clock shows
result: 12:24
